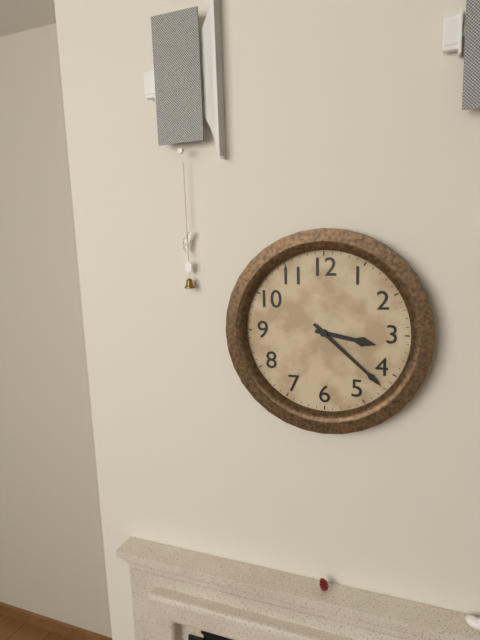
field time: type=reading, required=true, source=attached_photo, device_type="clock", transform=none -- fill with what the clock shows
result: 3:22
